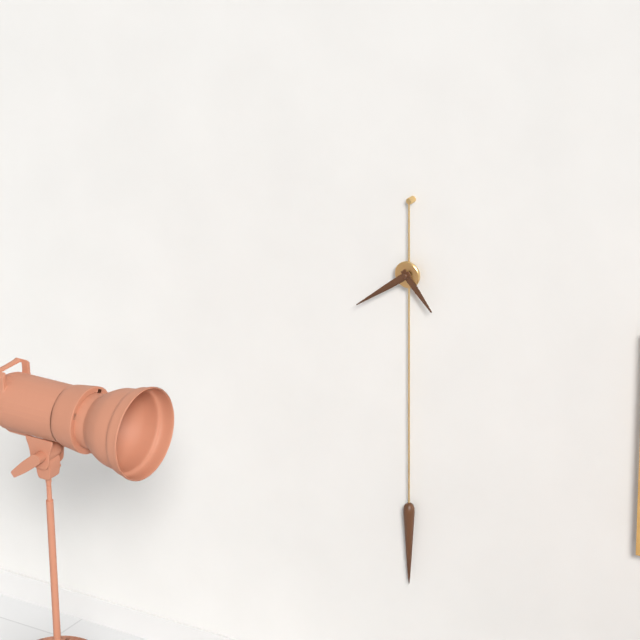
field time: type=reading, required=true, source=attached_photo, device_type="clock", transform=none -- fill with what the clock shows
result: 4:39
